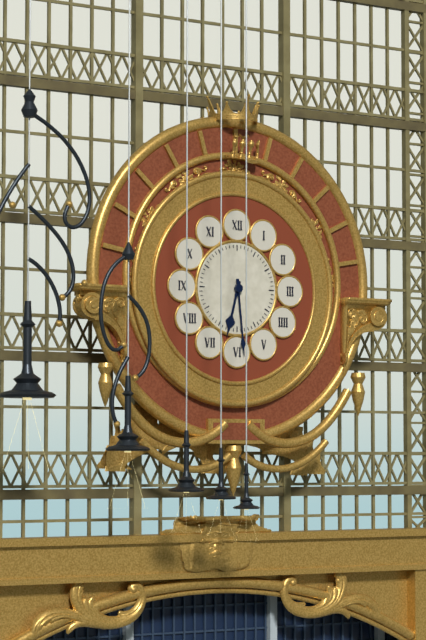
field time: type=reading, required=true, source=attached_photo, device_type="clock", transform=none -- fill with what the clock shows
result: 6:29
